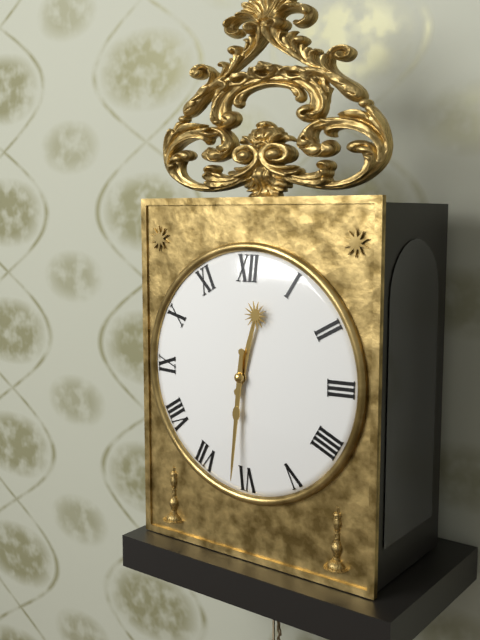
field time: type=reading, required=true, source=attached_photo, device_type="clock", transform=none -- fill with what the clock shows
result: 12:31
